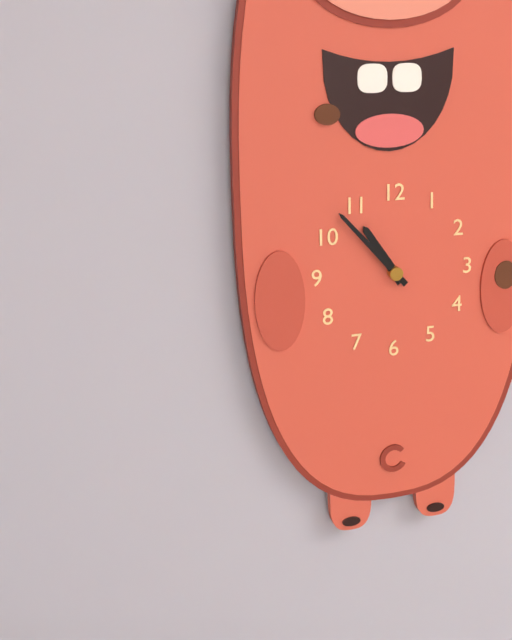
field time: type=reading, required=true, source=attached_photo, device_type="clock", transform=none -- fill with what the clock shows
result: 10:53
